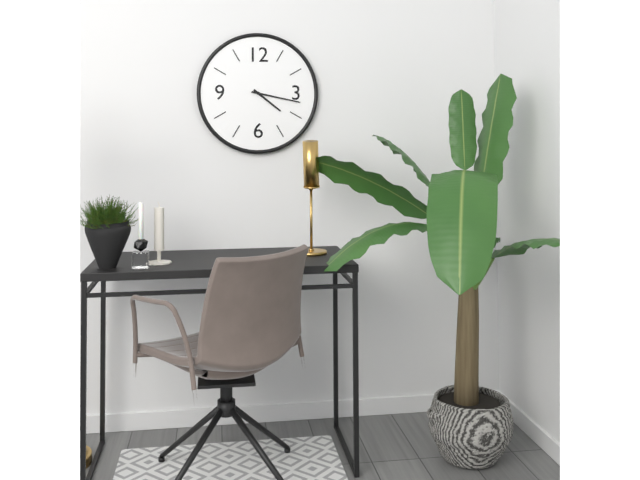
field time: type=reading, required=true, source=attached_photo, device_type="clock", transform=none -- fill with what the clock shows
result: 4:17
